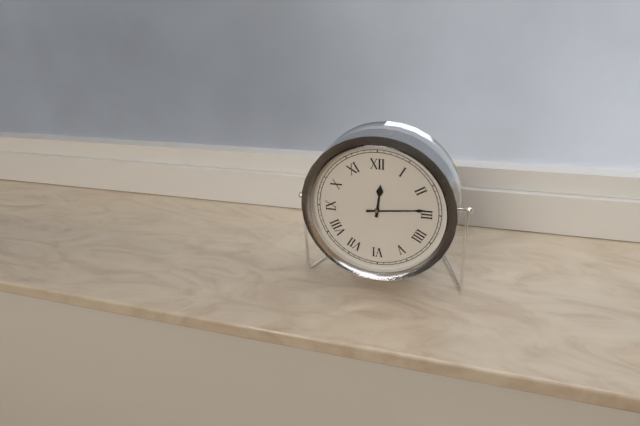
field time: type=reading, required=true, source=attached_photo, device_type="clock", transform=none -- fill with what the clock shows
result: 12:14
